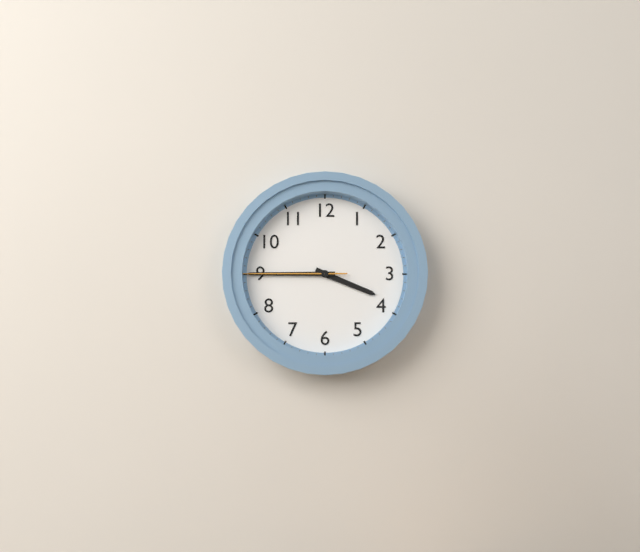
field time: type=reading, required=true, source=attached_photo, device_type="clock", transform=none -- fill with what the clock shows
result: 3:45:45
